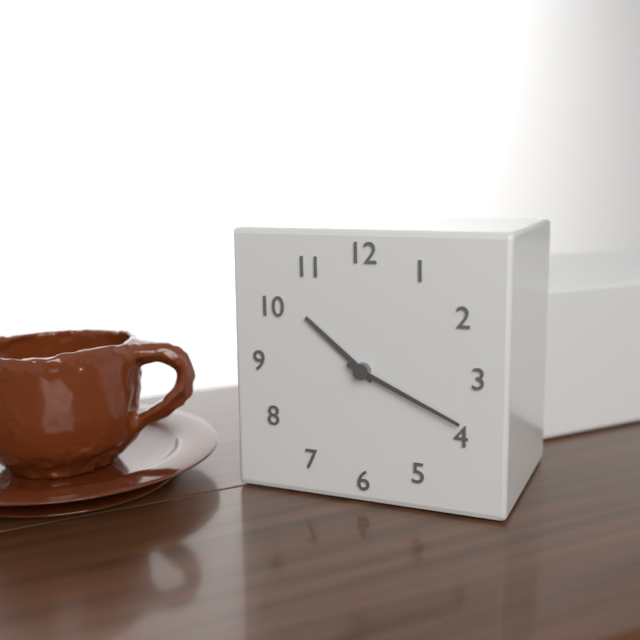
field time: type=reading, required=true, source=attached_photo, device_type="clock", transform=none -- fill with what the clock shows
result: 10:19
